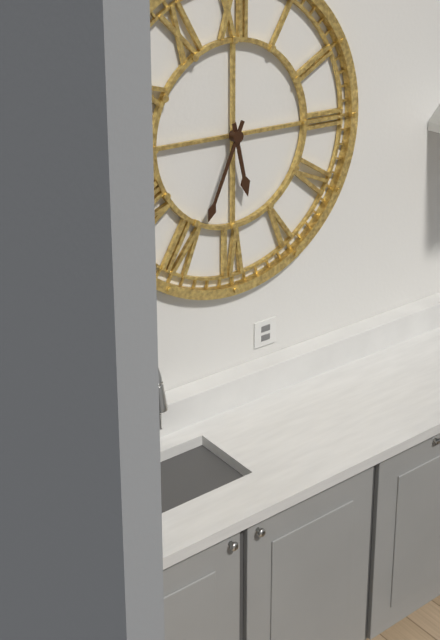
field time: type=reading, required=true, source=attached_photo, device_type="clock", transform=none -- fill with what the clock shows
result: 5:34
